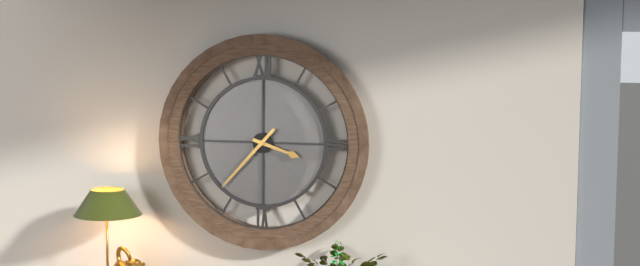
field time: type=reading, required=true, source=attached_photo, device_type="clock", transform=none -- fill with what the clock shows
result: 3:37
